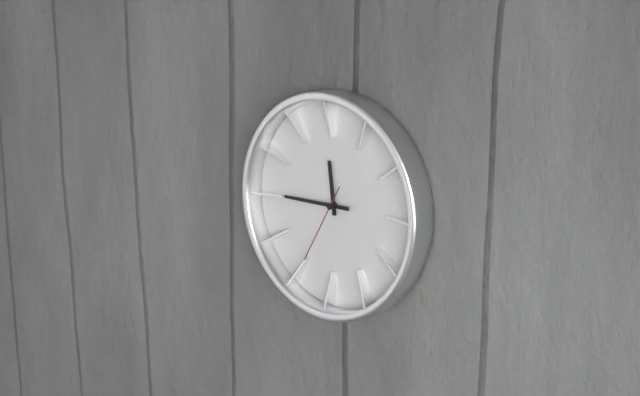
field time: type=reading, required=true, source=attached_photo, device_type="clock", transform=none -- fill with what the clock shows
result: 11:45:35
